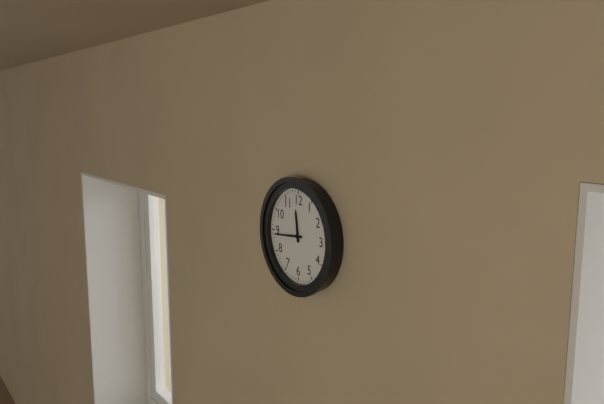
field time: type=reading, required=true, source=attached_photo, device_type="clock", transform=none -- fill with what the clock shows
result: 11:44
